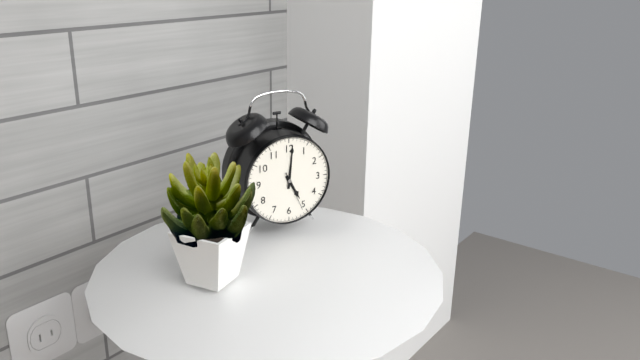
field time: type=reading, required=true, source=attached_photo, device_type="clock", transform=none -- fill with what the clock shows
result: 5:01
